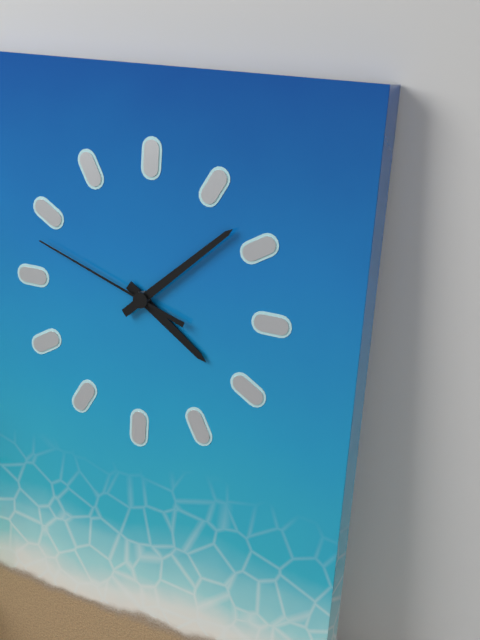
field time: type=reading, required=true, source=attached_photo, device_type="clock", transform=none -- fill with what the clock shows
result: 4:08:48
